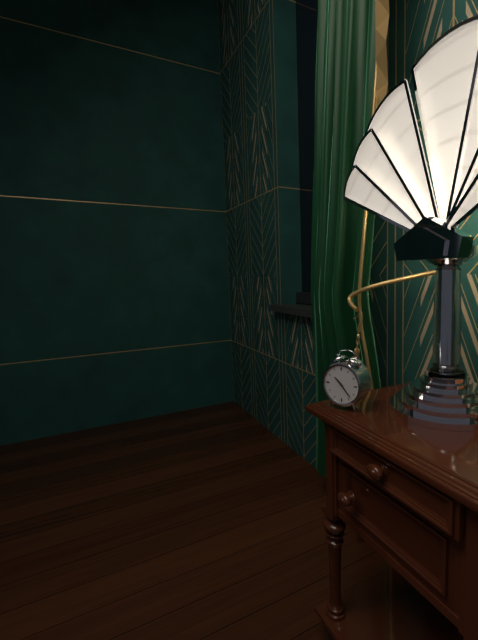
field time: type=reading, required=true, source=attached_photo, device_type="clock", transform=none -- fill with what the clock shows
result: 10:23
